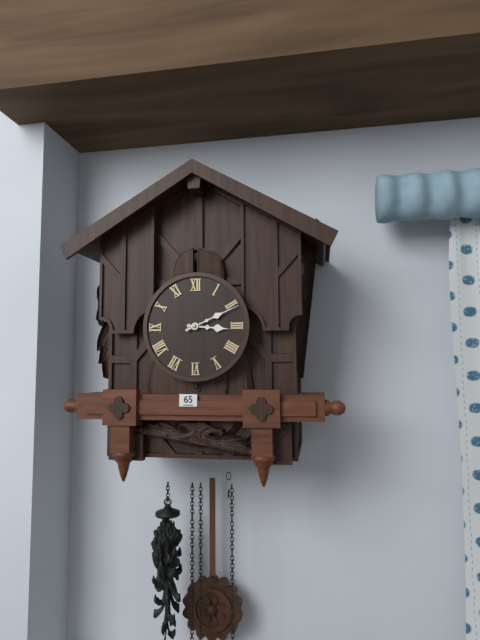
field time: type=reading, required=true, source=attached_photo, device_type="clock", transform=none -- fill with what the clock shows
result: 3:11
